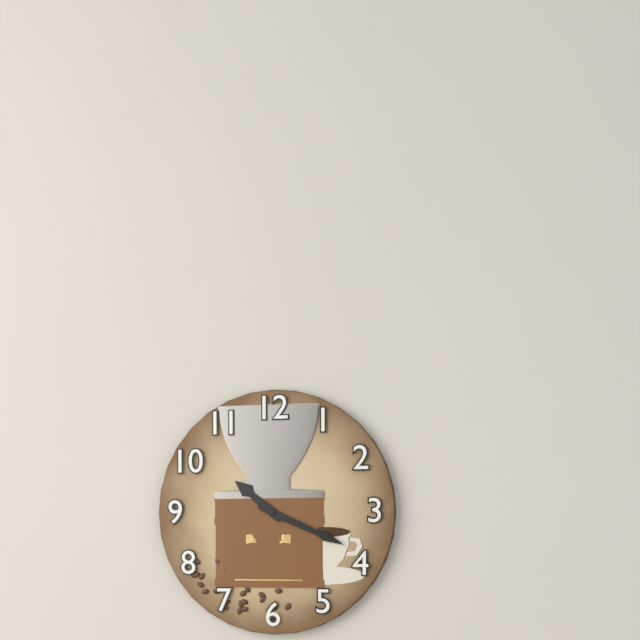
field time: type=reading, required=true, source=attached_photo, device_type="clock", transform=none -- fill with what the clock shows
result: 10:19
